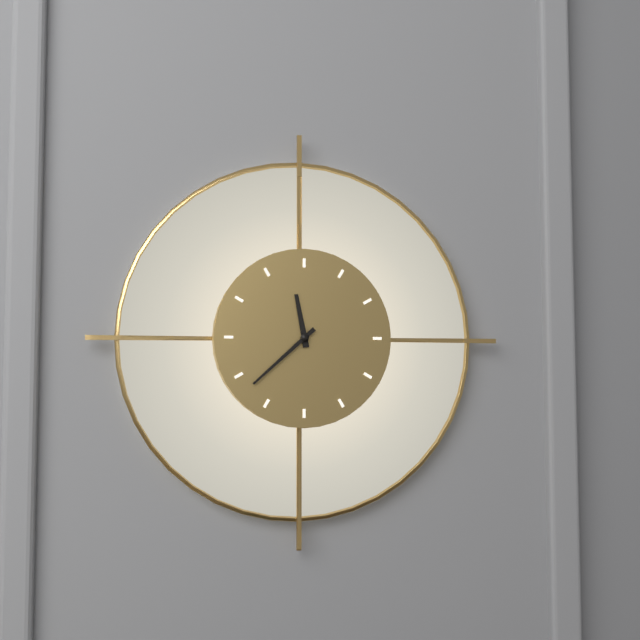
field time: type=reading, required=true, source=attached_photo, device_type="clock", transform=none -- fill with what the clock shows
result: 11:38
